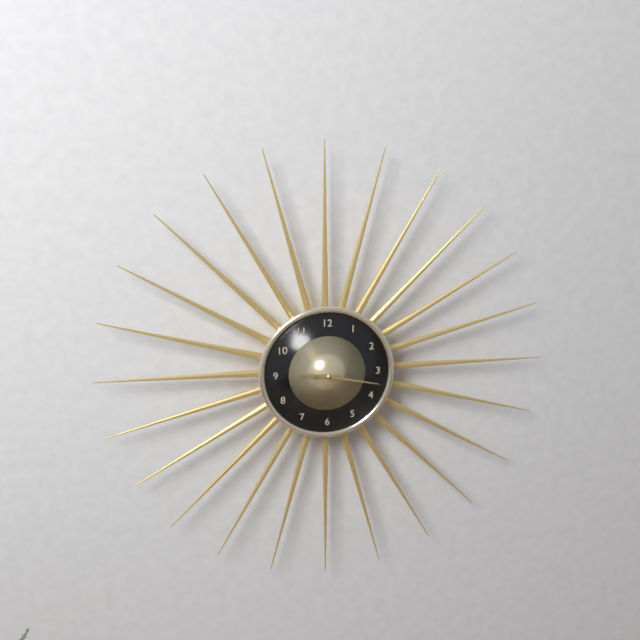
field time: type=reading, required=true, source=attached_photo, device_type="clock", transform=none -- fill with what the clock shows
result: 9:17
